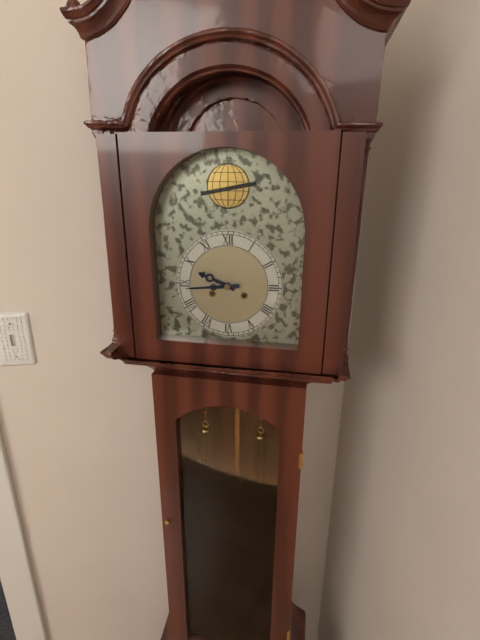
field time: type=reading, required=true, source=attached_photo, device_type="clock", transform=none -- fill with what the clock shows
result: 9:44
